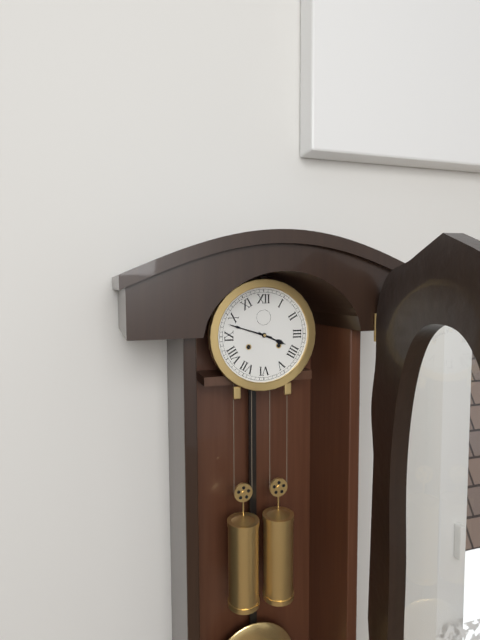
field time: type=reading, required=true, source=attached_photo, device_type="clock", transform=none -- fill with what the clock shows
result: 3:48
